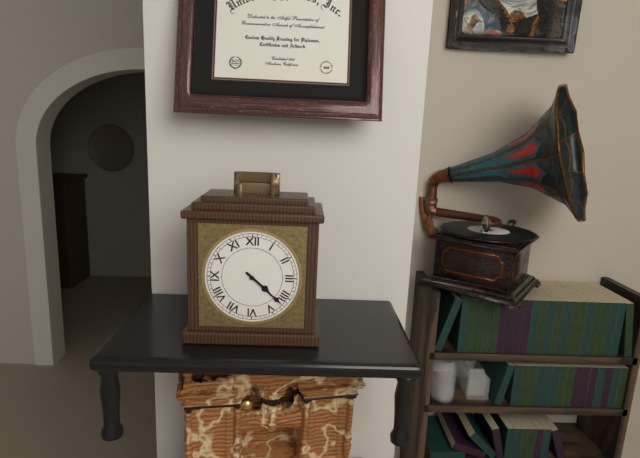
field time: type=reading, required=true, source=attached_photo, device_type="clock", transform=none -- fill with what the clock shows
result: 4:22
